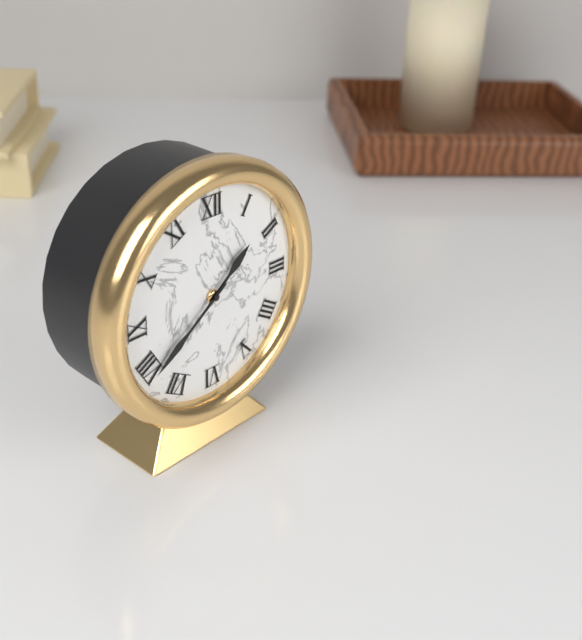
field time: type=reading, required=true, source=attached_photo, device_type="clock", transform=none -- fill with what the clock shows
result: 1:39
